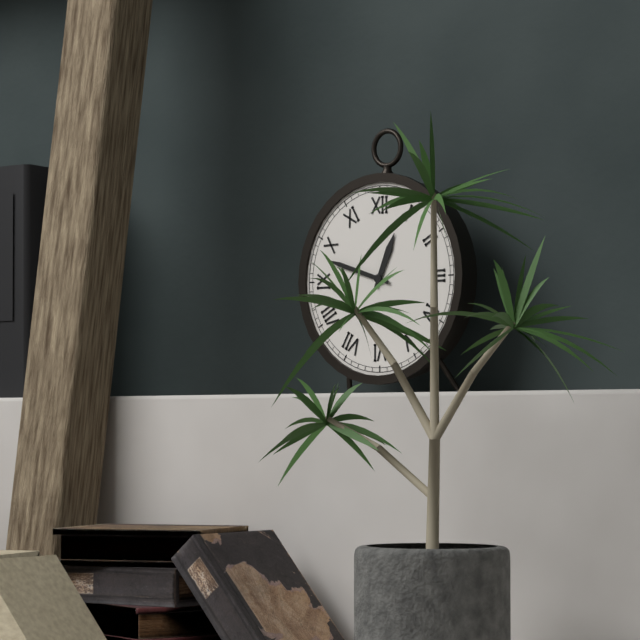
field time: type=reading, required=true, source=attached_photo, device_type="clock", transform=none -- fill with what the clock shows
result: 12:48
